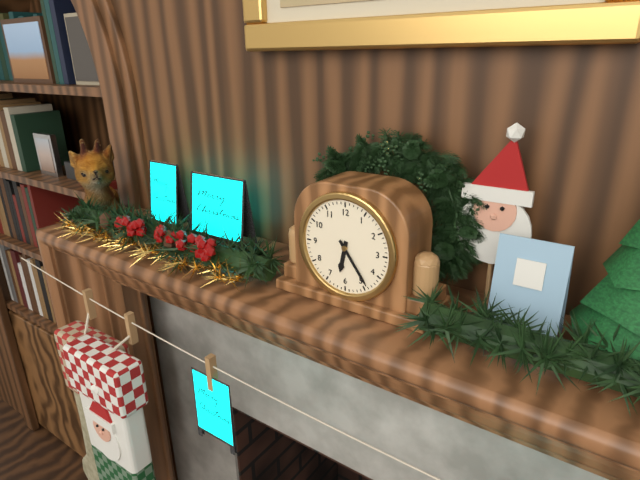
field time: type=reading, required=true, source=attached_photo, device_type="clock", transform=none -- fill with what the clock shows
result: 6:24
